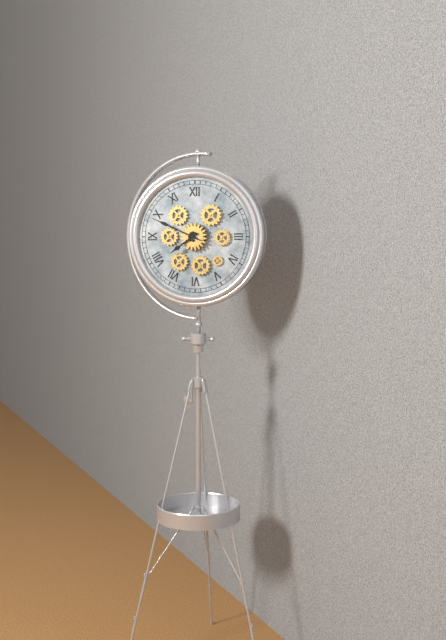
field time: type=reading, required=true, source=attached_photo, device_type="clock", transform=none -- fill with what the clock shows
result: 7:49
